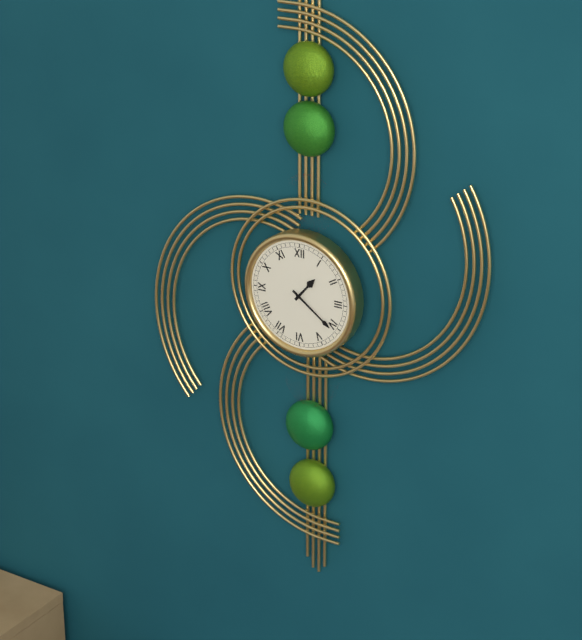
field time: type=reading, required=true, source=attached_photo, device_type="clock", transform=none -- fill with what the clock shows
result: 1:21
